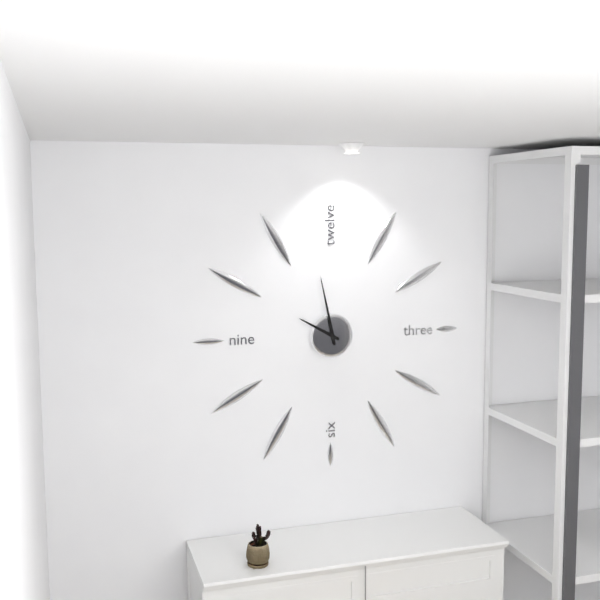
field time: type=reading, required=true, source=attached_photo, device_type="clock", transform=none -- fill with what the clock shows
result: 9:58
